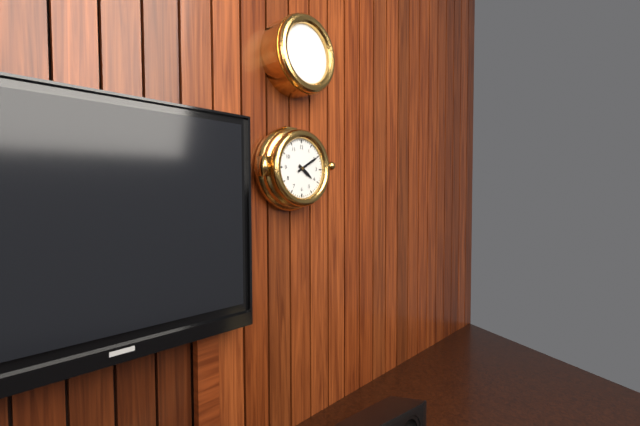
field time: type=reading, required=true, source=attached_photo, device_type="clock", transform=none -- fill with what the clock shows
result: 4:10
